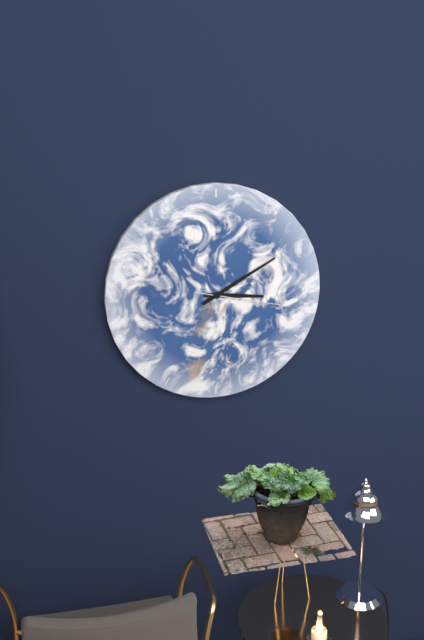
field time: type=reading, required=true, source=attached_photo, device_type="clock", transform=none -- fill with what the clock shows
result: 3:10:17
